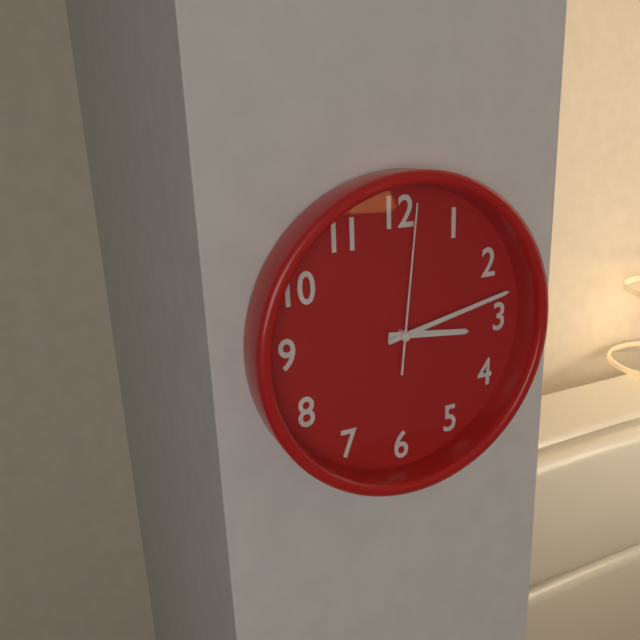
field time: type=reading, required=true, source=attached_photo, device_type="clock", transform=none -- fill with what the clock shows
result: 3:13:01
